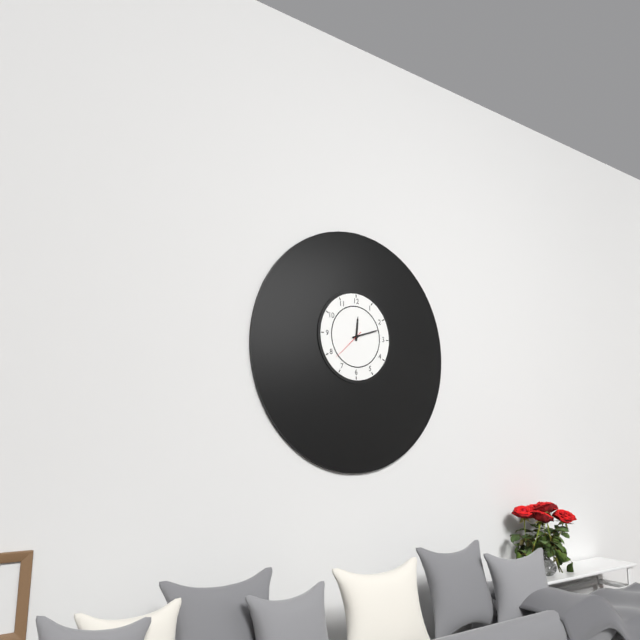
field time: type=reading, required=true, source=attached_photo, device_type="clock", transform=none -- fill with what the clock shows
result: 12:12
